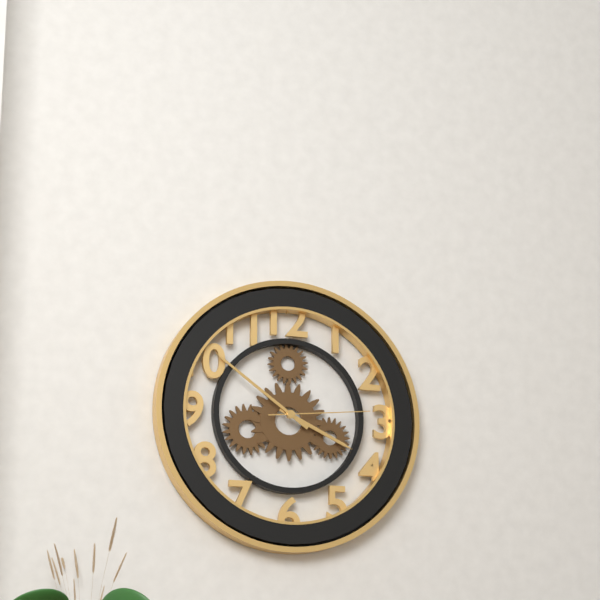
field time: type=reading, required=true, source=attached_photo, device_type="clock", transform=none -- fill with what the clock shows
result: 3:51:14
